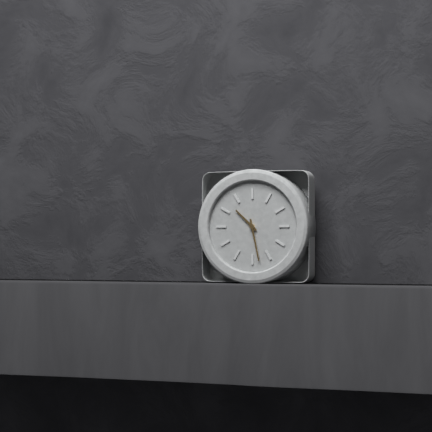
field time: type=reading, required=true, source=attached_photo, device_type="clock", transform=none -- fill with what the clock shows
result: 10:28
